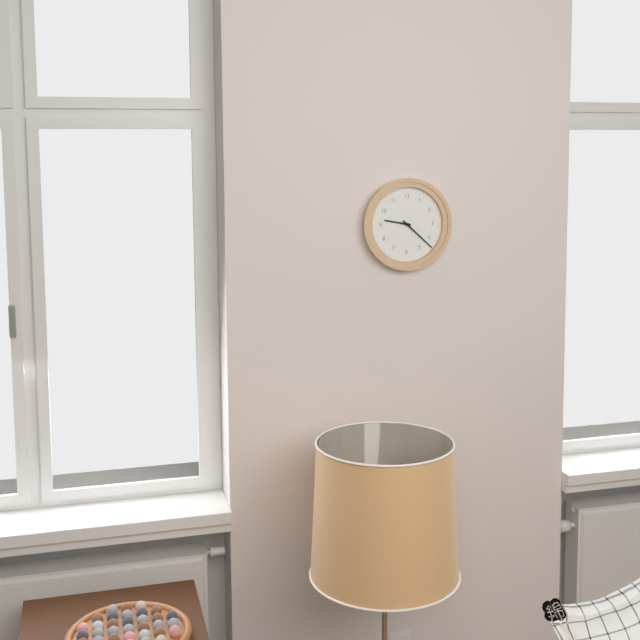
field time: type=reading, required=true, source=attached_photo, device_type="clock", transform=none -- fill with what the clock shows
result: 9:22
